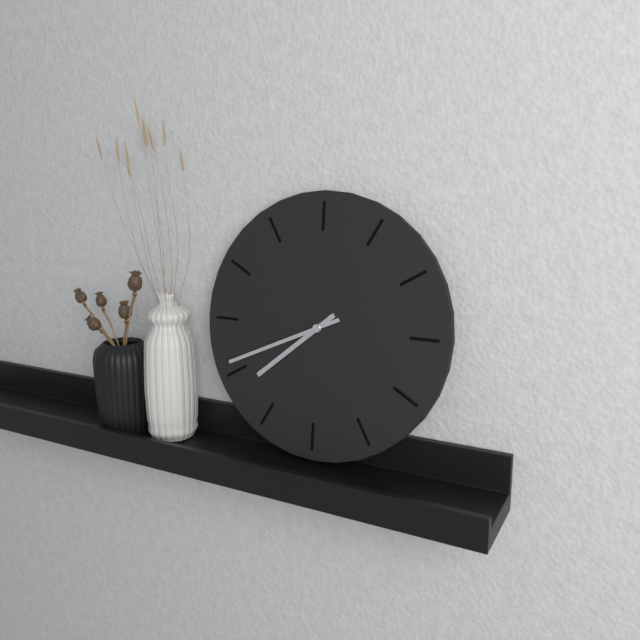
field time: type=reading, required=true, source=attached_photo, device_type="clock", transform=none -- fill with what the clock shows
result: 7:41
